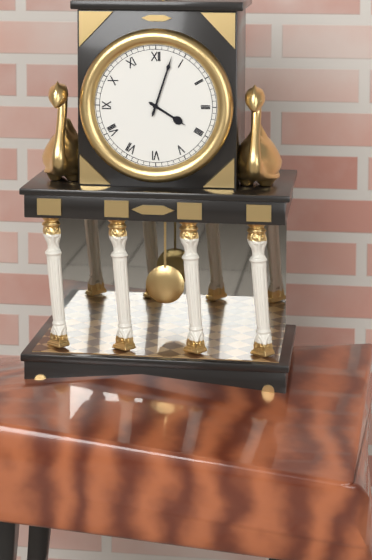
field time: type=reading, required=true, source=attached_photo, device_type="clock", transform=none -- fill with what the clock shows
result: 4:03
